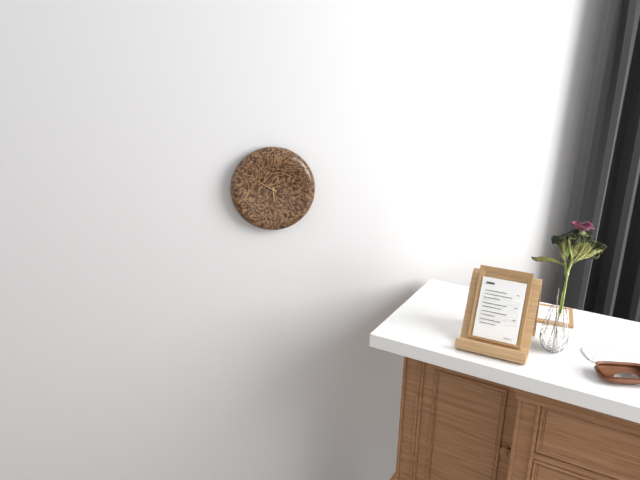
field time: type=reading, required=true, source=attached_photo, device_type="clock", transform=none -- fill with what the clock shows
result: 5:50
